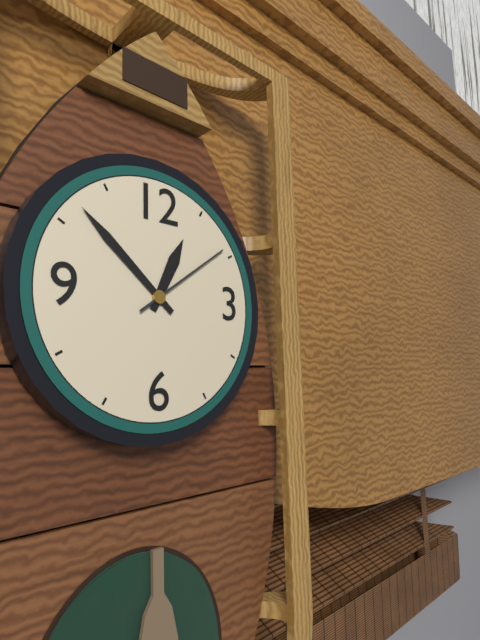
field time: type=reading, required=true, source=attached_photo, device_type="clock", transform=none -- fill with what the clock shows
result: 12:52:09
